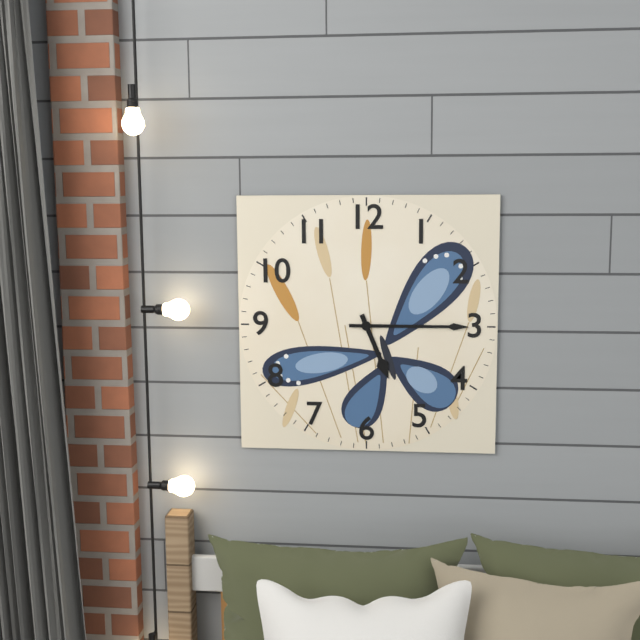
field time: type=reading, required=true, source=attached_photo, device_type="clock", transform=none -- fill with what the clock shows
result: 5:15
